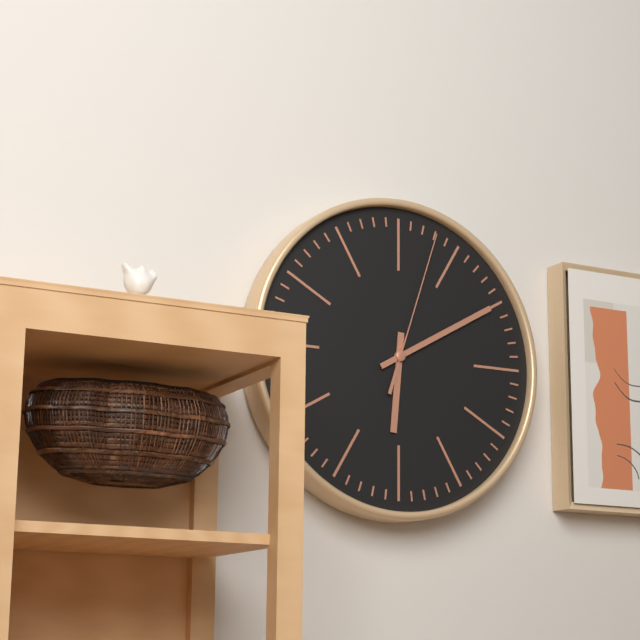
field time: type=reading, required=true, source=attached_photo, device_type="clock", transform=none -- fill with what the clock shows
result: 6:10:03
